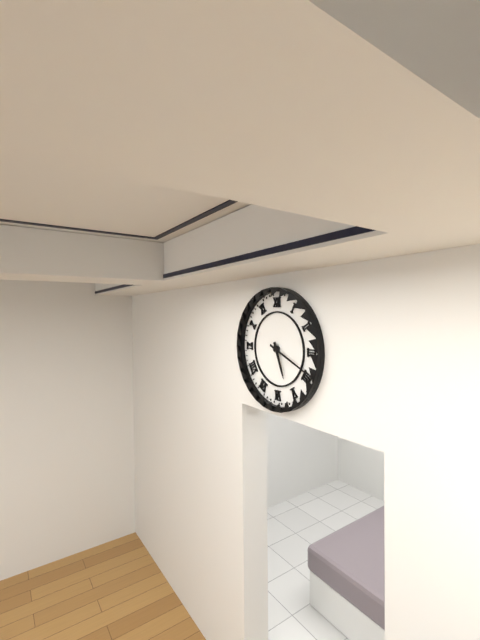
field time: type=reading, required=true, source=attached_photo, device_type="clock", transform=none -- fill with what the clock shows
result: 5:19
